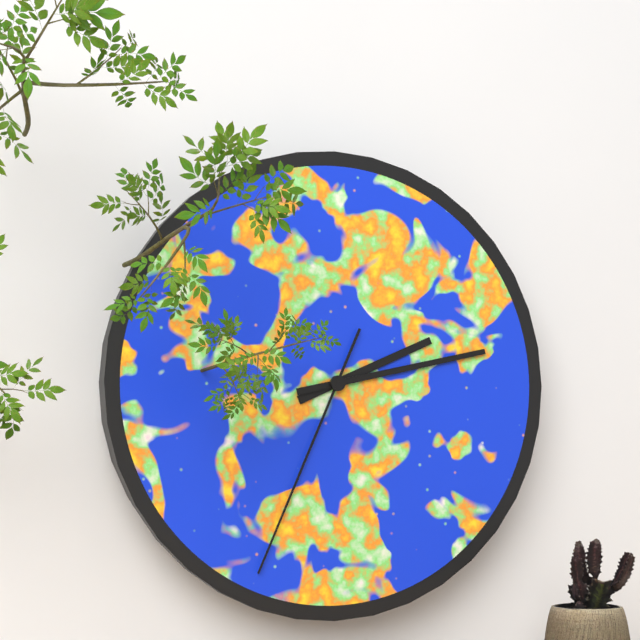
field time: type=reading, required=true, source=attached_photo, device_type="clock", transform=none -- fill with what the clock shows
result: 2:13:34
